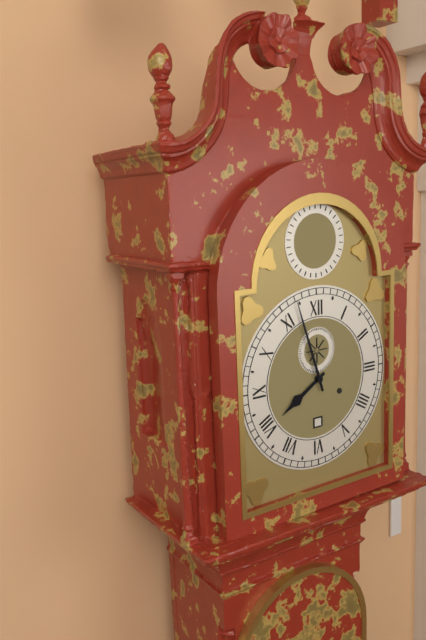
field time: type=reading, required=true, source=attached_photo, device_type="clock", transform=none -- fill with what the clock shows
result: 7:57
